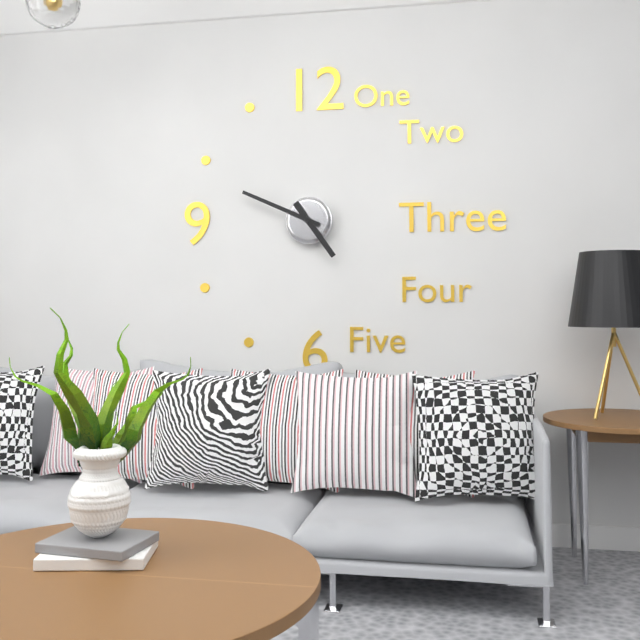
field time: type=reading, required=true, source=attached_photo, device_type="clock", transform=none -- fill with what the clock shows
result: 4:49
